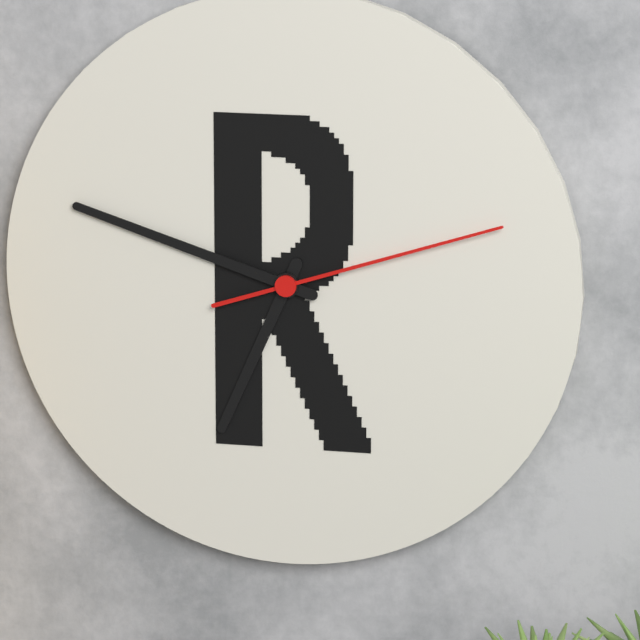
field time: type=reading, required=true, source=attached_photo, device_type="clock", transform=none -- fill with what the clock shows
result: 6:48:12
